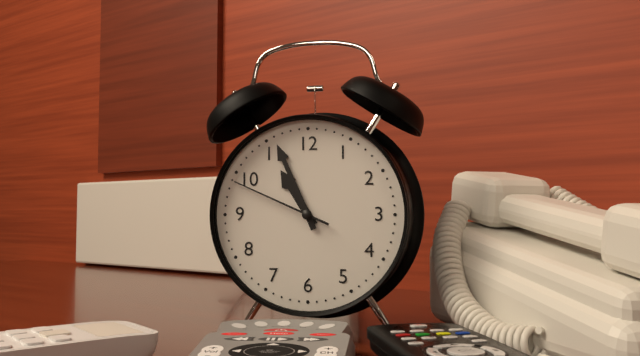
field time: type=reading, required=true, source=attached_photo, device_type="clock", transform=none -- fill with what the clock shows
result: 10:56:49
